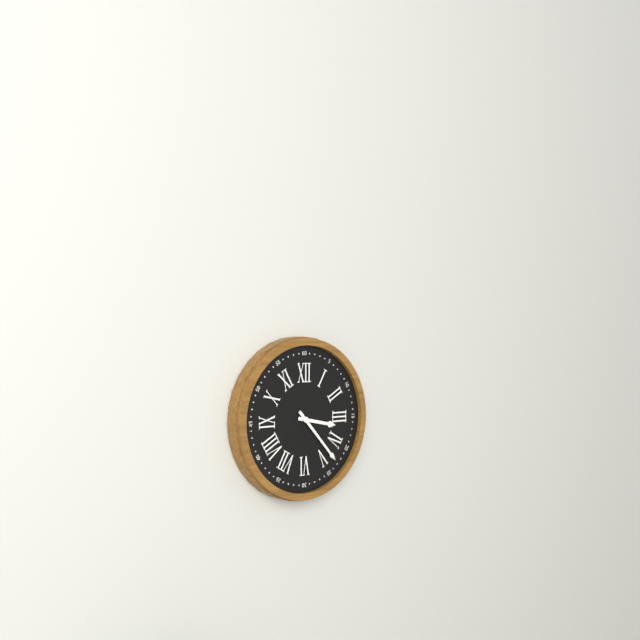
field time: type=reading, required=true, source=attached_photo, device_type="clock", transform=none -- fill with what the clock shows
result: 3:23
